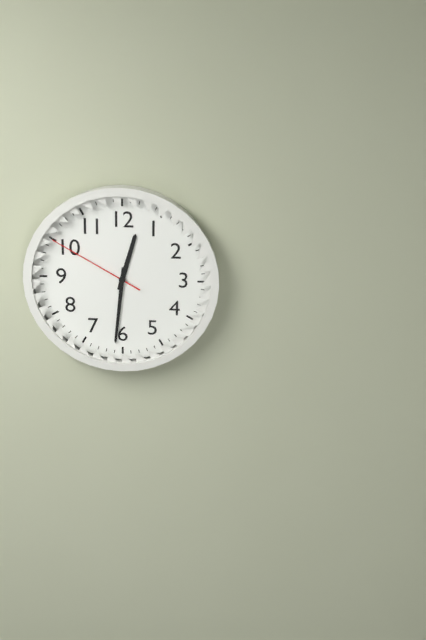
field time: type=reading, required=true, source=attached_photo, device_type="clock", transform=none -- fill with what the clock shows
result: 12:31:50
